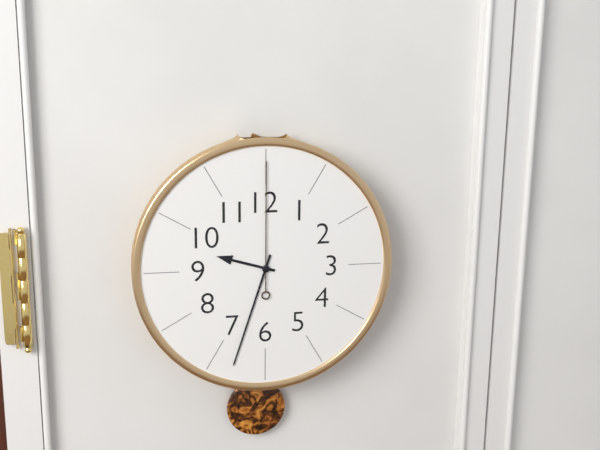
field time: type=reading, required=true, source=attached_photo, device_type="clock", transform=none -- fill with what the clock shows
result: 9:33:00
